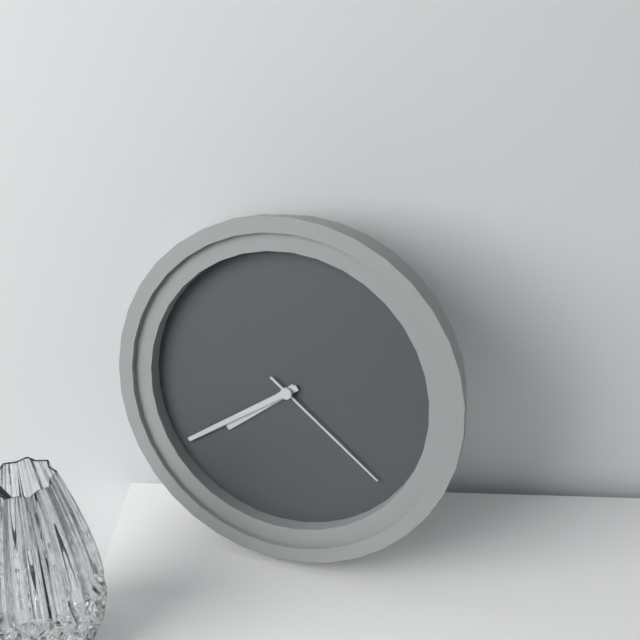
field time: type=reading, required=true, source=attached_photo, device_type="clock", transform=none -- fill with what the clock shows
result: 7:39:21
